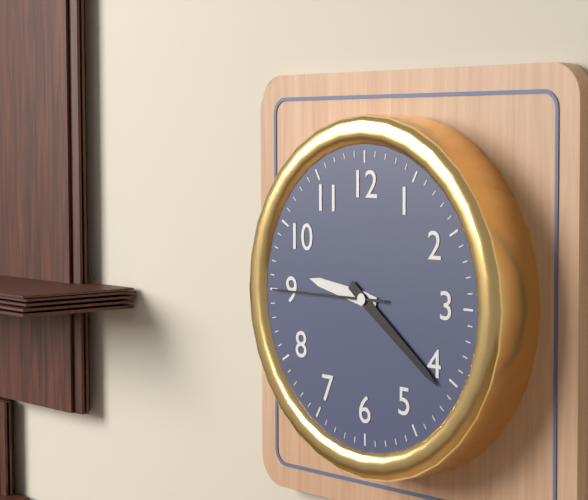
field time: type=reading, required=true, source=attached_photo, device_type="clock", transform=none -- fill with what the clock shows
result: 9:21:45
